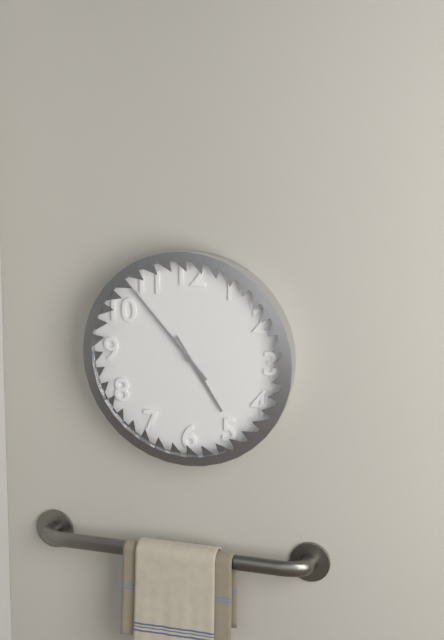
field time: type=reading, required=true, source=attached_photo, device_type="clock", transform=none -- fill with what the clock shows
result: 4:53
